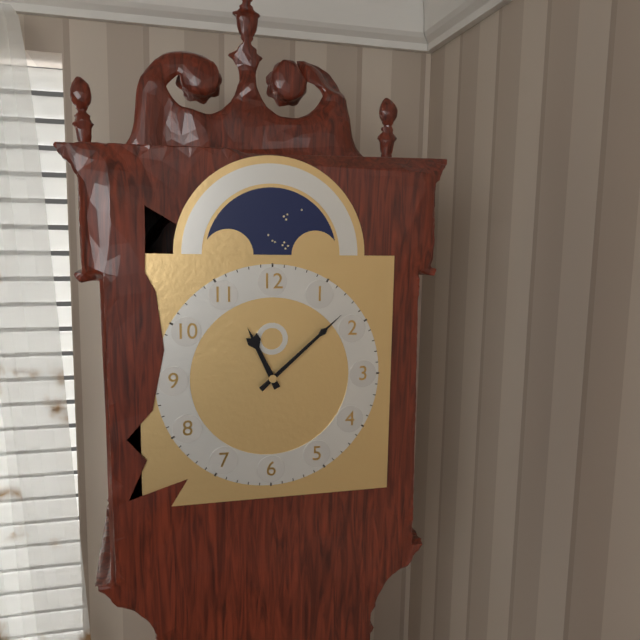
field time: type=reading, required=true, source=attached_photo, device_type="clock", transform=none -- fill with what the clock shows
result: 11:08
